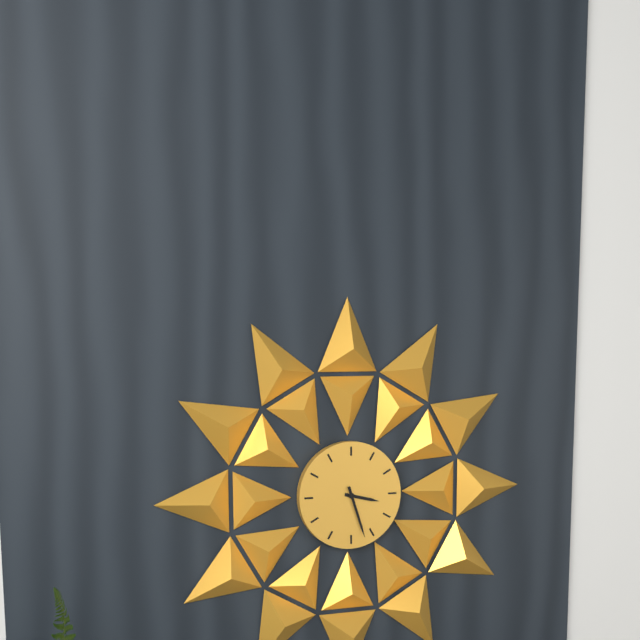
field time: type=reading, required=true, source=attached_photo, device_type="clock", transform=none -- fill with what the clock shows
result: 3:27
